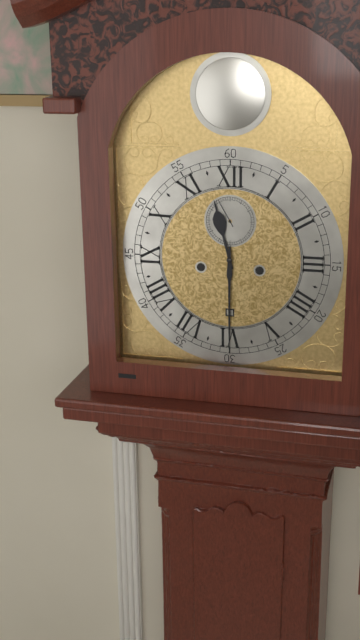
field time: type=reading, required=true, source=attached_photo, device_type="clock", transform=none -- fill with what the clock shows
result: 11:30
